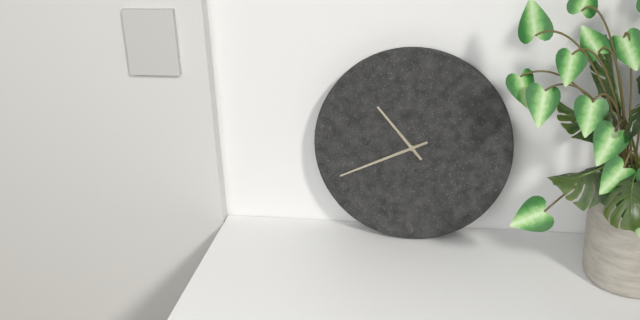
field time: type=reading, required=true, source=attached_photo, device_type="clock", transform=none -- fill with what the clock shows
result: 10:41
